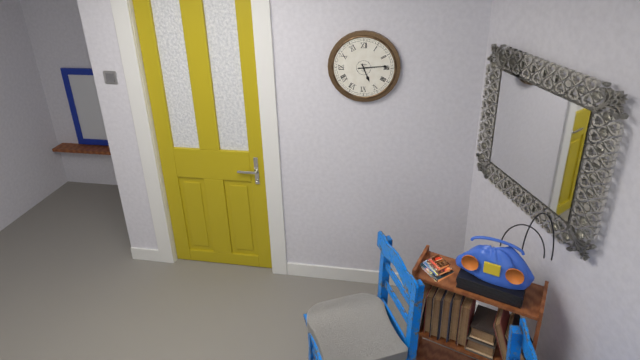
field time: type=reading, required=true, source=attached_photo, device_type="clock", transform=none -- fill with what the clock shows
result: 5:14
